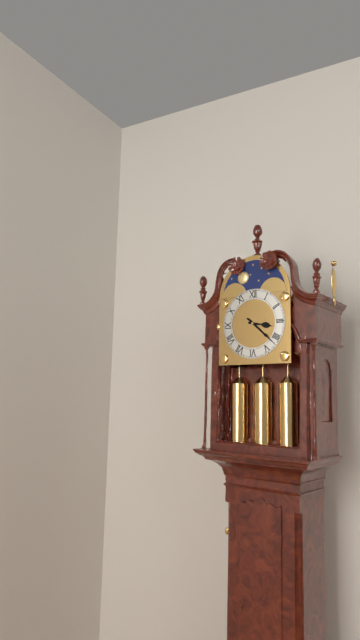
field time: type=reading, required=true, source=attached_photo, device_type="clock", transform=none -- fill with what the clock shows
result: 3:22
